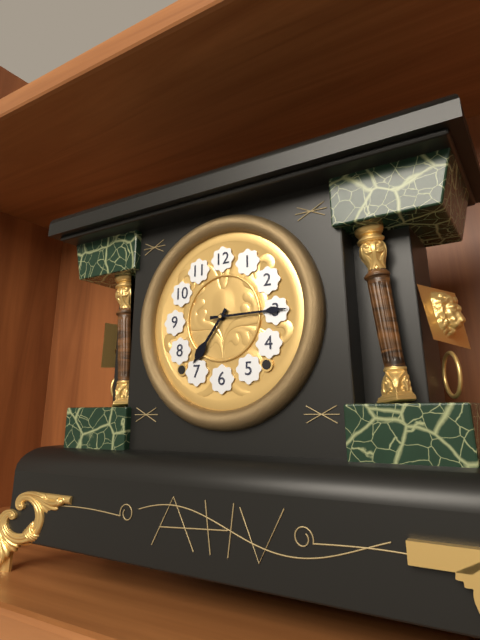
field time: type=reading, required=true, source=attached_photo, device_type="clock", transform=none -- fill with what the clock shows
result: 7:15
